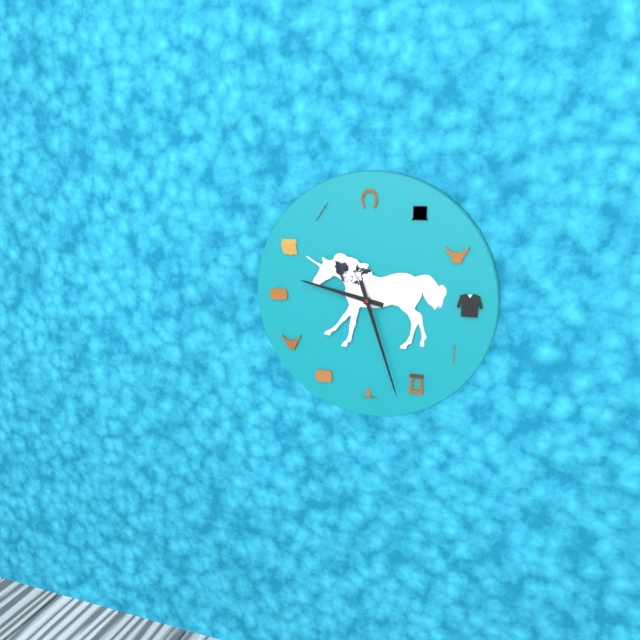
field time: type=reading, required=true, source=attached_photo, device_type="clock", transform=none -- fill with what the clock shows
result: 9:27
